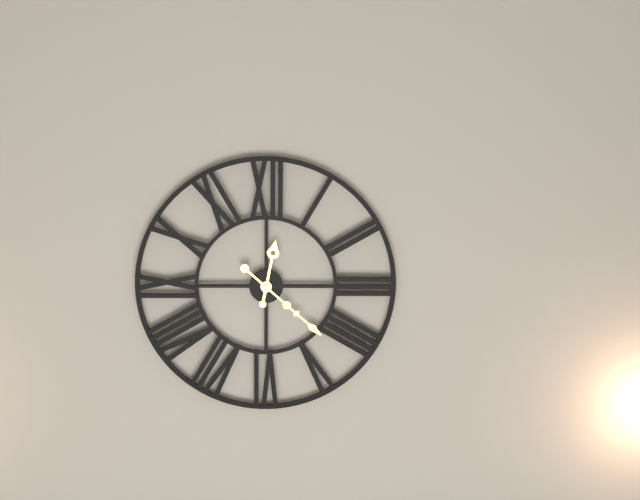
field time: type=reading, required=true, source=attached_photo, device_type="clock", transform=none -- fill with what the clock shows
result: 12:22
